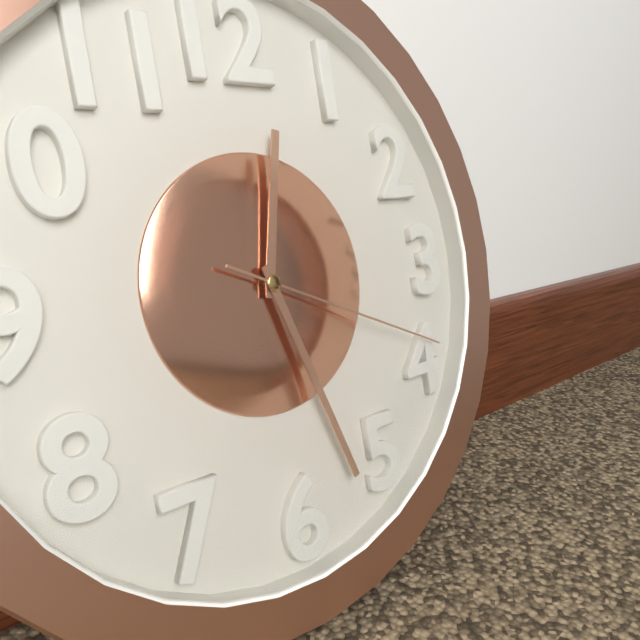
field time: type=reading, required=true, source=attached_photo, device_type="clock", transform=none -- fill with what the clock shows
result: 12:27:19
